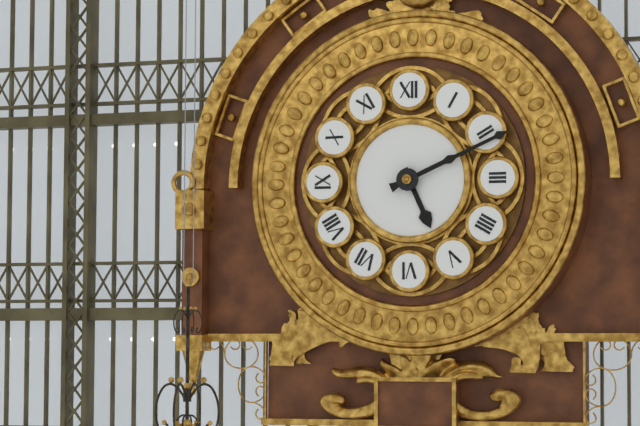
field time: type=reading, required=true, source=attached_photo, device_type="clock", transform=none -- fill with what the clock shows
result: 5:11
